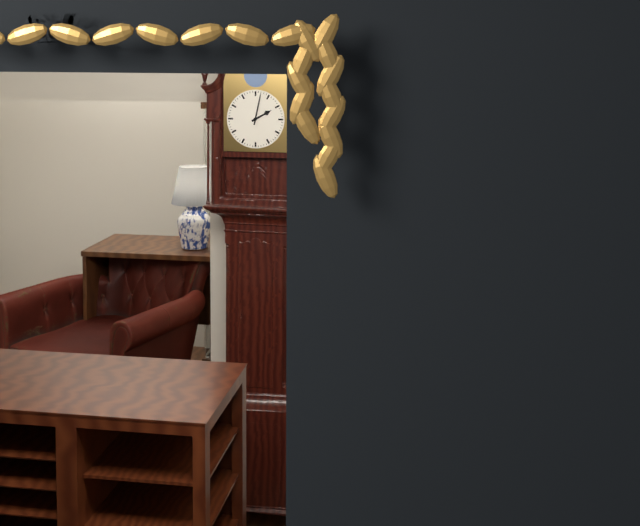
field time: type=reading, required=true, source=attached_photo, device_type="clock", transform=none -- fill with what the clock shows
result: 2:02
